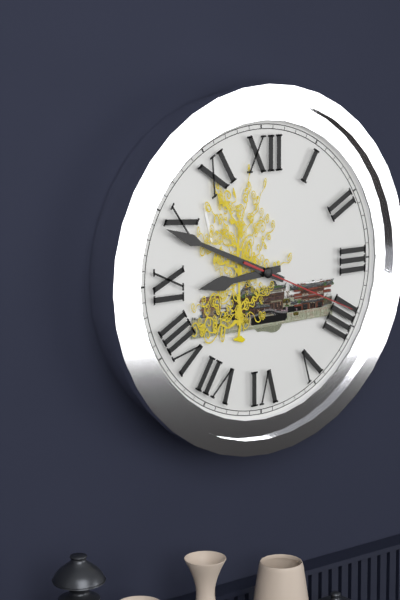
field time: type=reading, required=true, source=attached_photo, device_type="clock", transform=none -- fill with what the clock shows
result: 8:49:19
